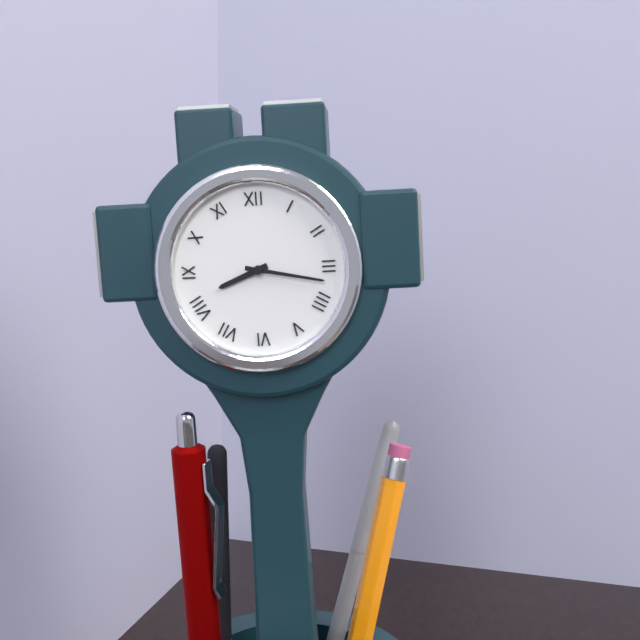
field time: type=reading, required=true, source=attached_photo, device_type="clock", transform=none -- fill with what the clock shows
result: 8:17
